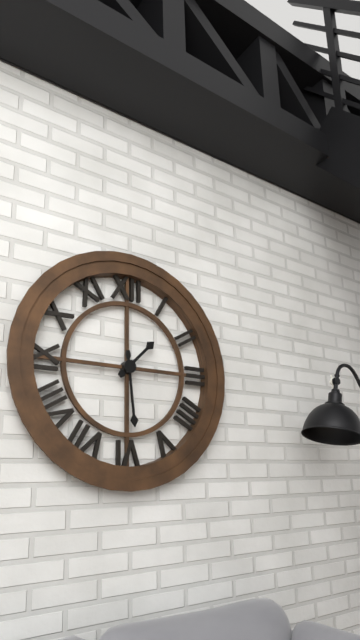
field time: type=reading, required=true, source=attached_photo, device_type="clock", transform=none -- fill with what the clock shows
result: 1:29
